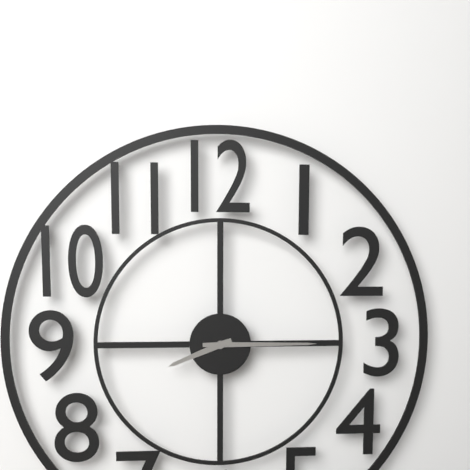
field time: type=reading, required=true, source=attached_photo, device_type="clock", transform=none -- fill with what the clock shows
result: 8:15
